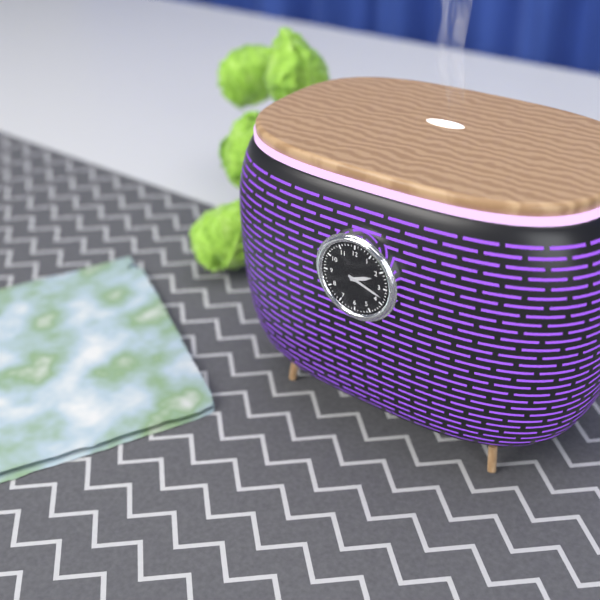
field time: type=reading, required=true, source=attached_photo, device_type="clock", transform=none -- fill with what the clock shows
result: 2:18
